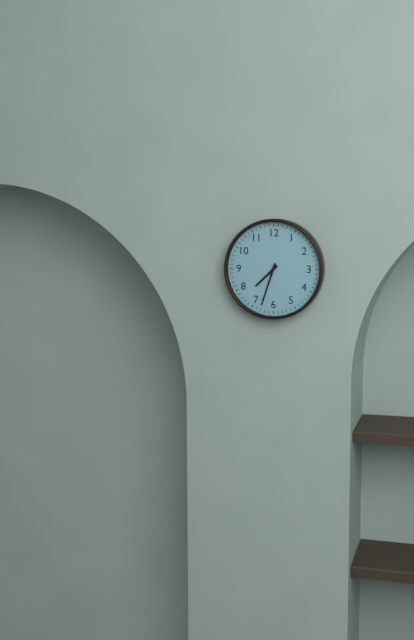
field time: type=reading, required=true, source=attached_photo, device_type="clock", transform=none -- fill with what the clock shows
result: 7:33
